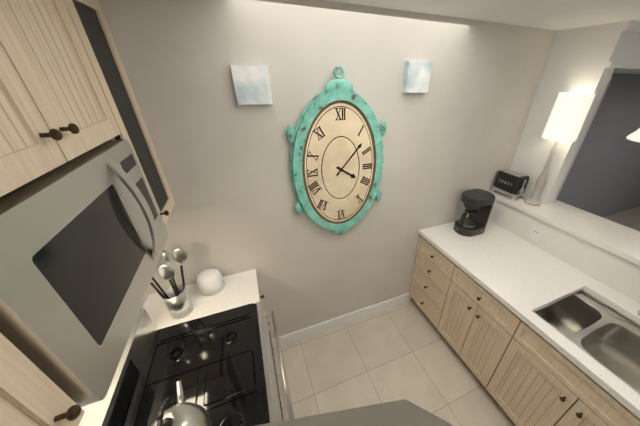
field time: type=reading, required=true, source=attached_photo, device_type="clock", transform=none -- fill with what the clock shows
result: 4:07
